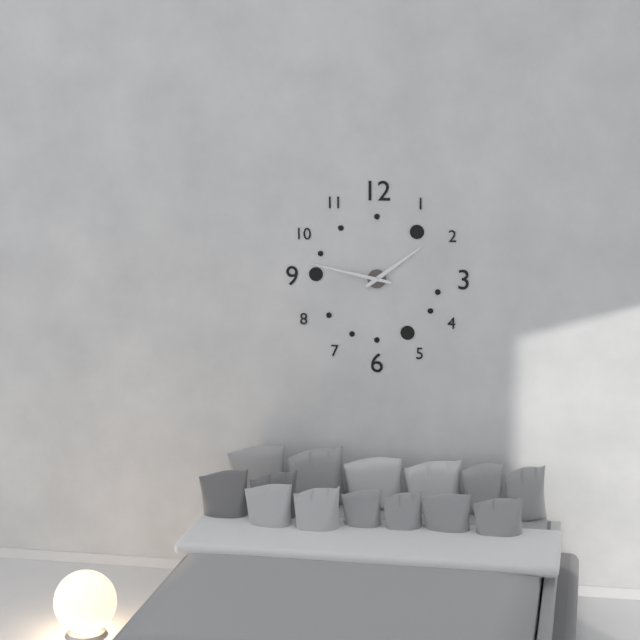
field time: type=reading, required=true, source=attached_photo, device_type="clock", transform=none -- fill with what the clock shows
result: 1:47
